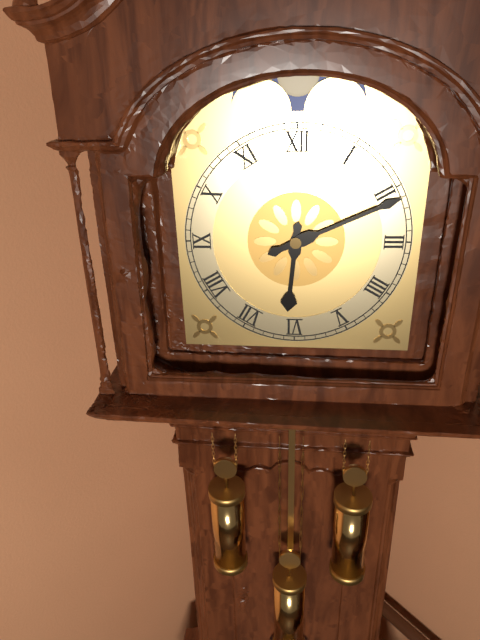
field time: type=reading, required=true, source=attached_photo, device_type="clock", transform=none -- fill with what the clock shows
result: 6:11
